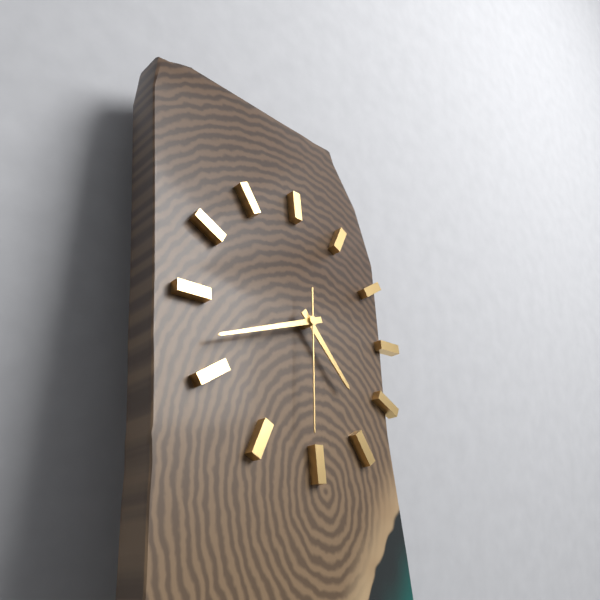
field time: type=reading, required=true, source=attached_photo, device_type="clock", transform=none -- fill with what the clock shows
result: 4:42:31
